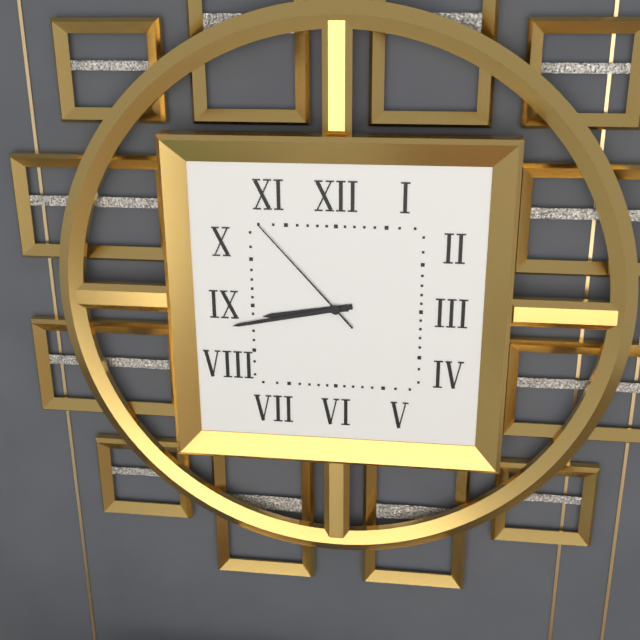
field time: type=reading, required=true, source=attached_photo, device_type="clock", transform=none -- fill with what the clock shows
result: 8:43:53
